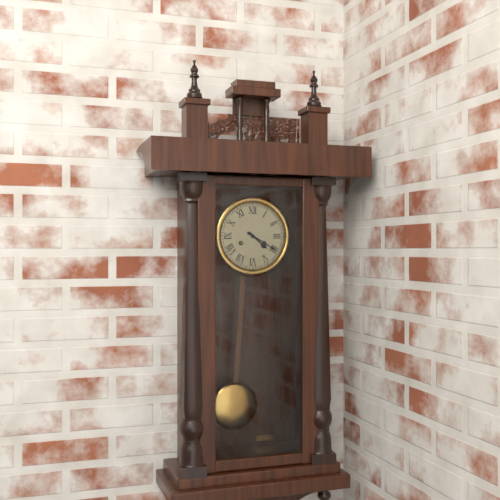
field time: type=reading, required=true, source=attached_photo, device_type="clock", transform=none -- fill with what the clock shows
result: 4:20
